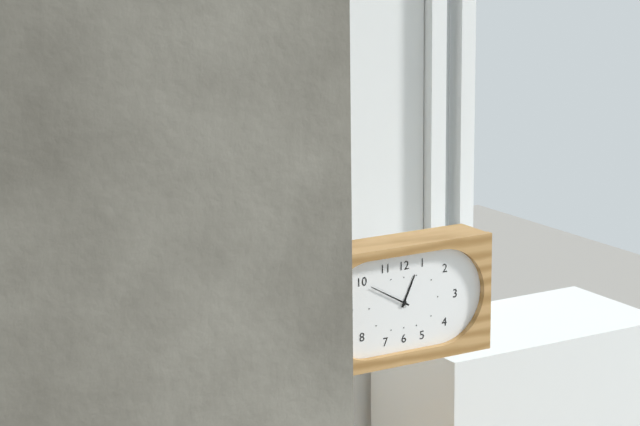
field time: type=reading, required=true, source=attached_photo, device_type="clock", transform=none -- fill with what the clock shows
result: 12:50
